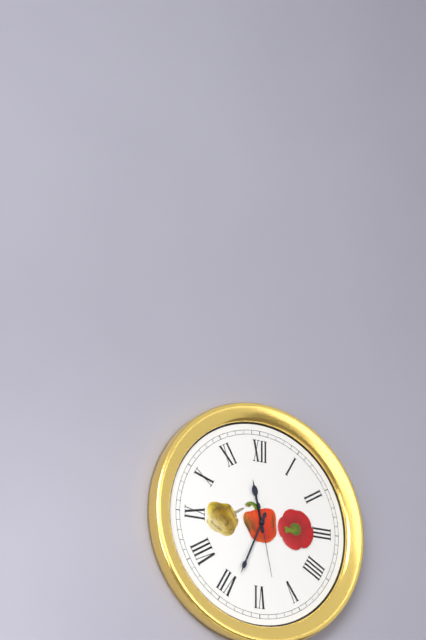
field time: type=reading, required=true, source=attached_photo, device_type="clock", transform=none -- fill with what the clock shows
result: 11:34:28
